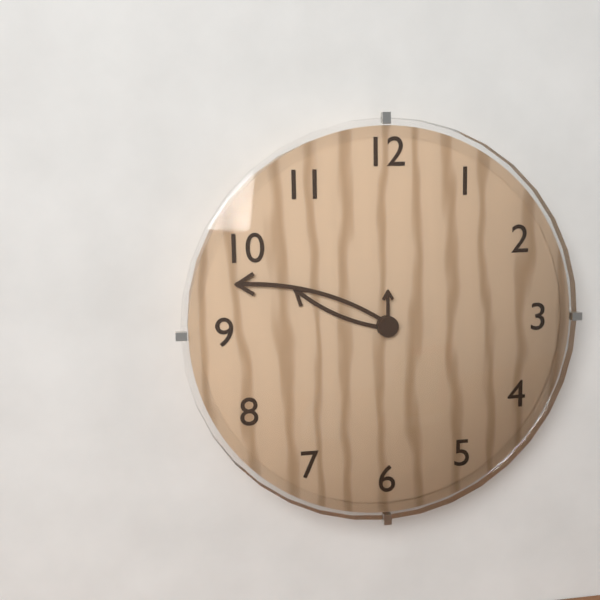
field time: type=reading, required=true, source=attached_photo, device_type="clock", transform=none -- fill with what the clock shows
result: 9:48
